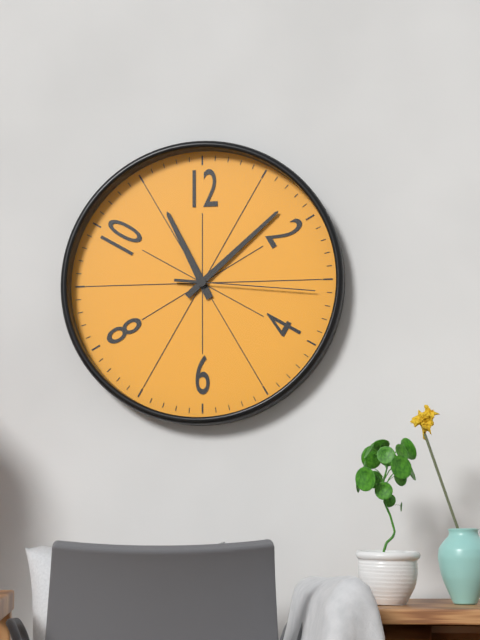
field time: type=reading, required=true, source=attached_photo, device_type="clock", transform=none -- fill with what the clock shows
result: 11:08:16
